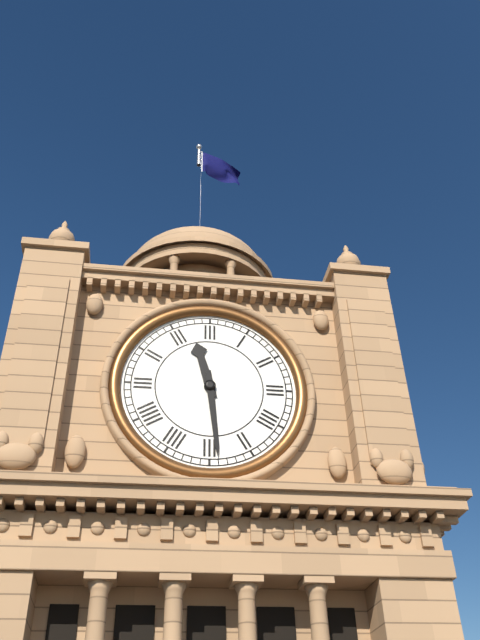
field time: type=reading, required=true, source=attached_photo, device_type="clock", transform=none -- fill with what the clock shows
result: 11:29
